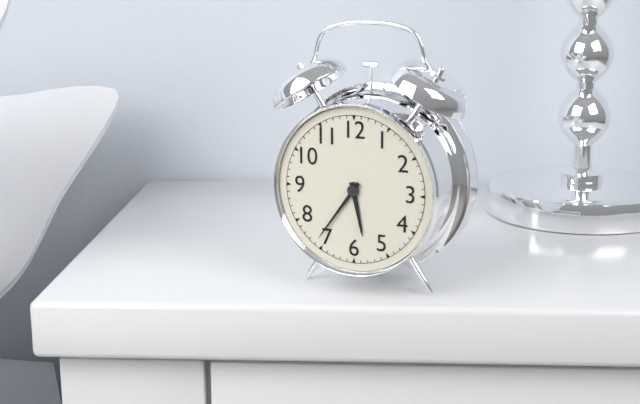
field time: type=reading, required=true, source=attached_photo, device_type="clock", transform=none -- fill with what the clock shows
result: 5:36
